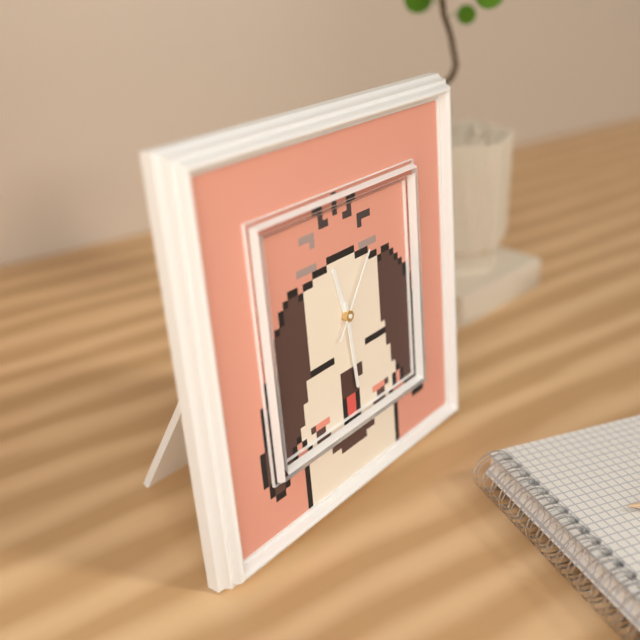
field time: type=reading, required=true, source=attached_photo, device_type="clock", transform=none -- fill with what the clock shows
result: 11:29:06
